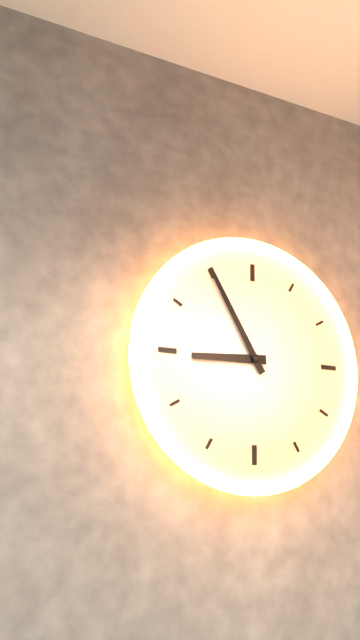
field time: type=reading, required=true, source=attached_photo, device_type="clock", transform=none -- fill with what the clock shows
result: 8:55
